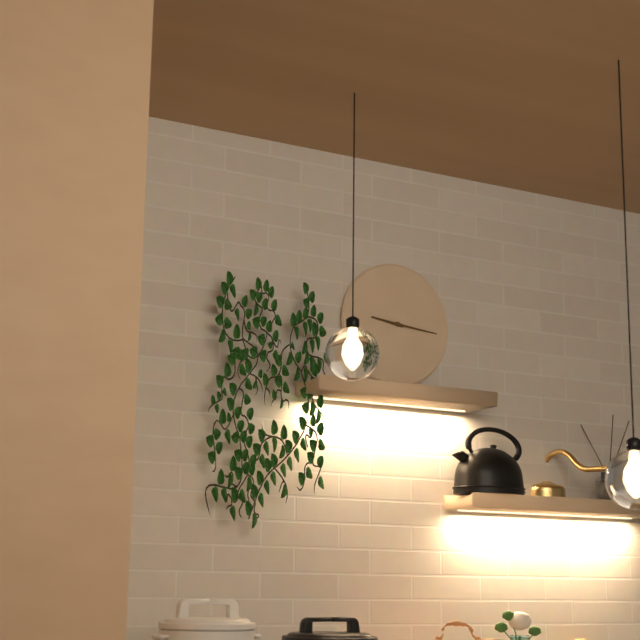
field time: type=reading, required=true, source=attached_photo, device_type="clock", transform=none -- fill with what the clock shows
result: 9:16
